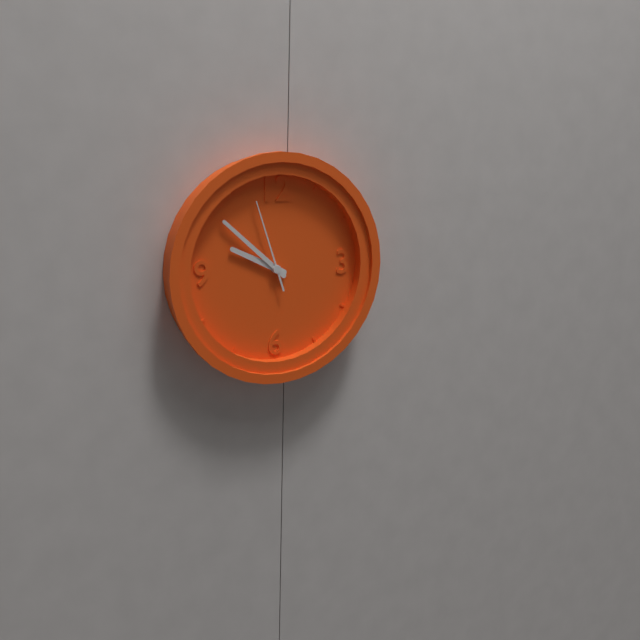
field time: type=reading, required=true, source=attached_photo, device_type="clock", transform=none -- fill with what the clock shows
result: 9:52:57
